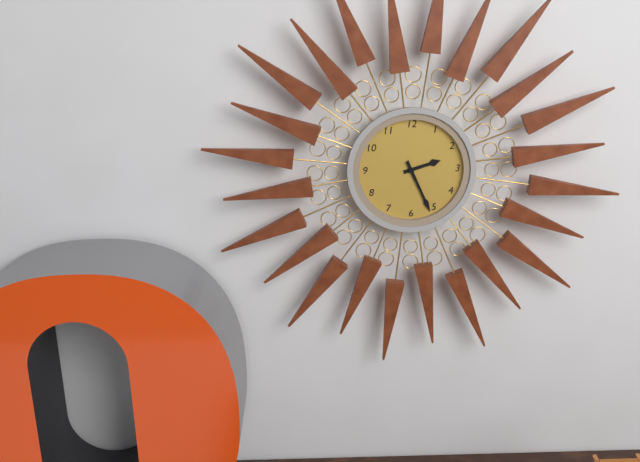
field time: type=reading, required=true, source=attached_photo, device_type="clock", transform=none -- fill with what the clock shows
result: 2:26
